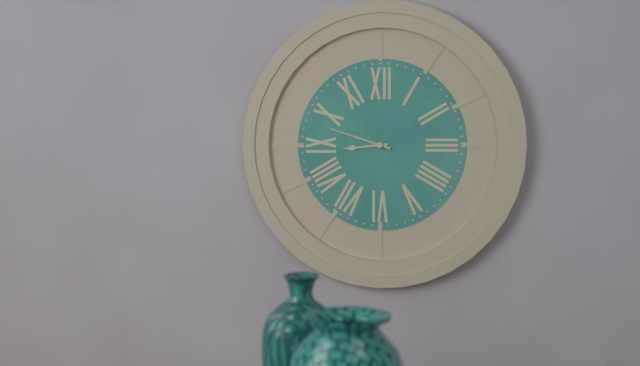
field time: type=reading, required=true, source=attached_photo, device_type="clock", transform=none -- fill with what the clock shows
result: 8:48
